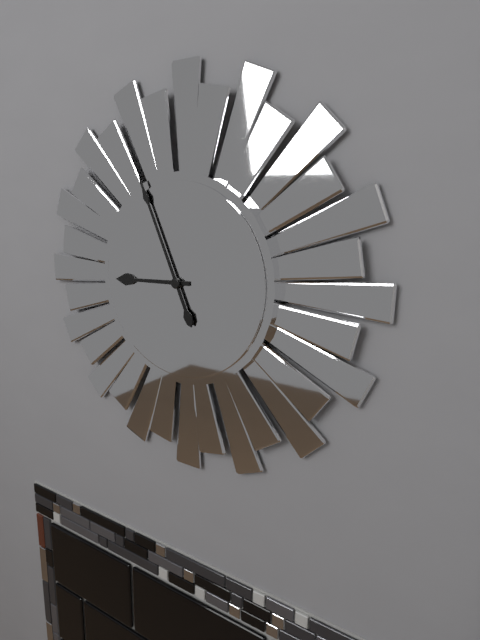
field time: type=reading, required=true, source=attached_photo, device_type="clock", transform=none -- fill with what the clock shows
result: 8:56
